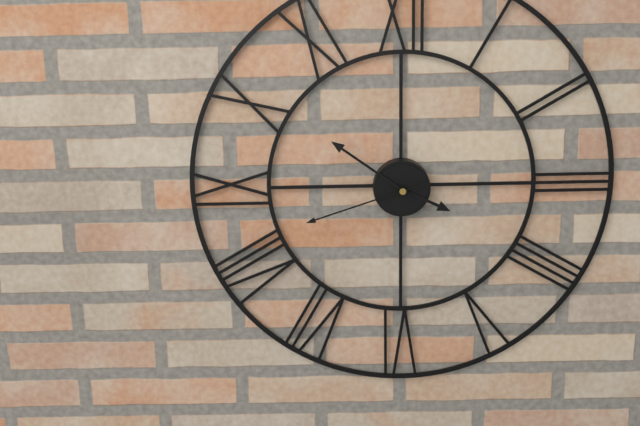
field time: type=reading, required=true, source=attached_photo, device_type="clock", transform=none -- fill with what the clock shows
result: 3:51:42
